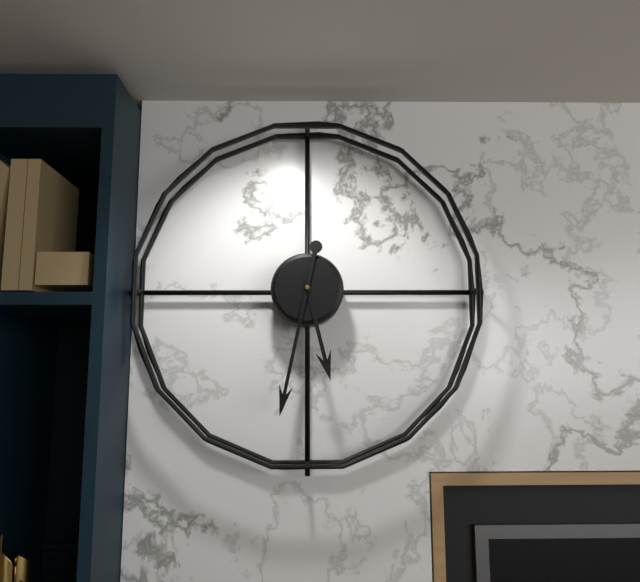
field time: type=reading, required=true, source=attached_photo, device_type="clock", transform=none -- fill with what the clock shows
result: 5:32
